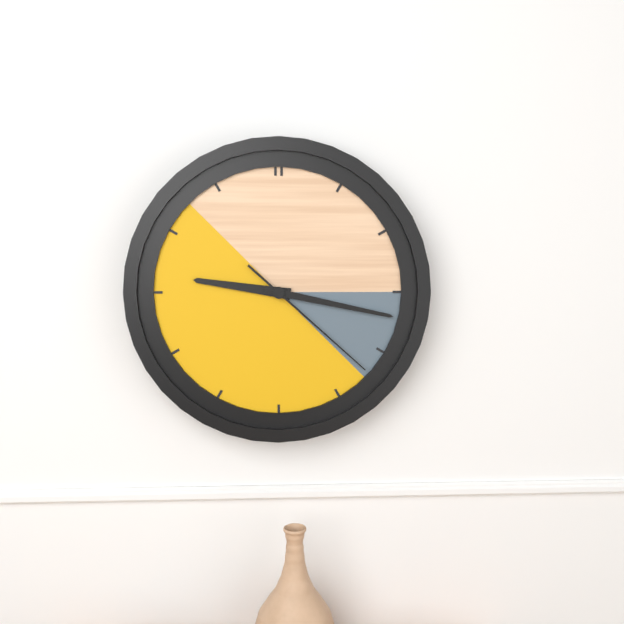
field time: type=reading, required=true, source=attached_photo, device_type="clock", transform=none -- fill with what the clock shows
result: 9:17:22
